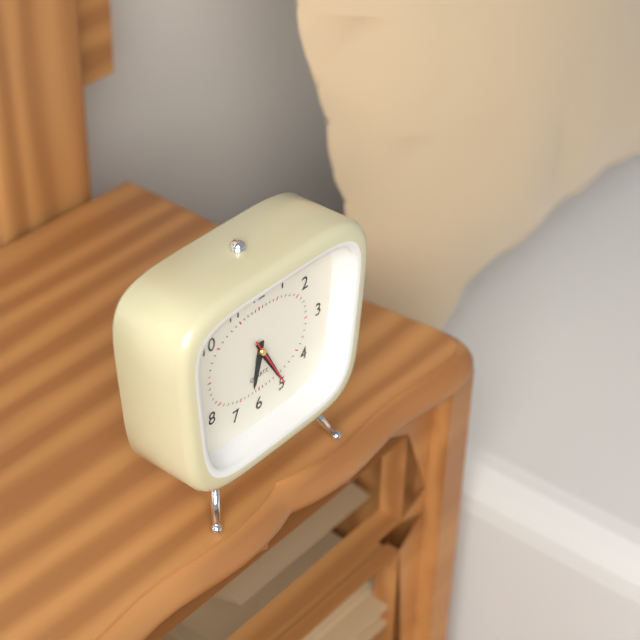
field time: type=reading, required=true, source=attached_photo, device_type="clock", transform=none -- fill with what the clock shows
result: 6:25
